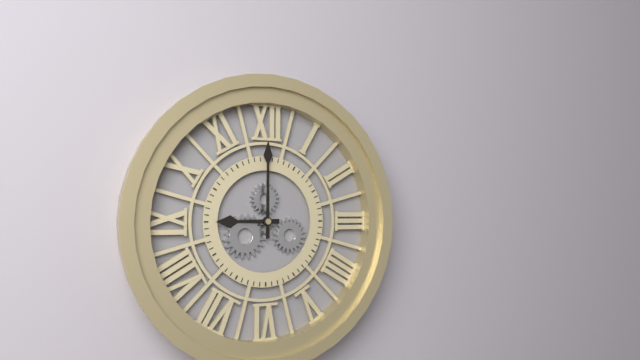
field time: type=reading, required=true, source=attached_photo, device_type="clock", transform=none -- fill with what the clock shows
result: 9:00
